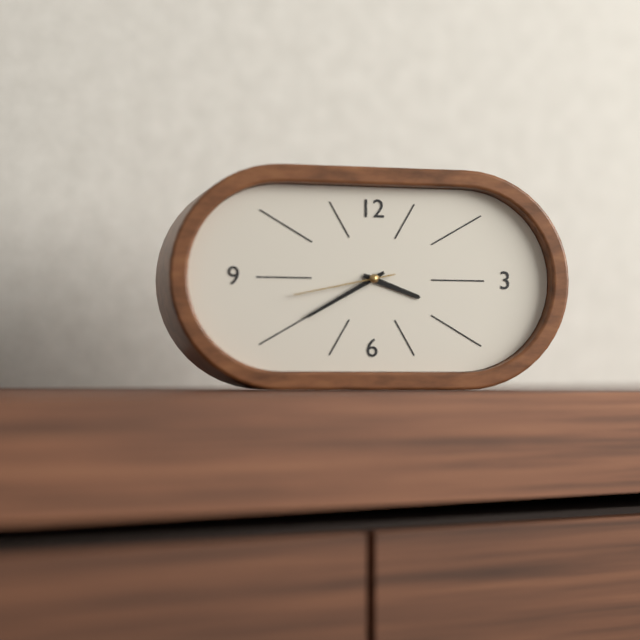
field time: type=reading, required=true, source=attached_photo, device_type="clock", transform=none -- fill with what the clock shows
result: 3:40:43
